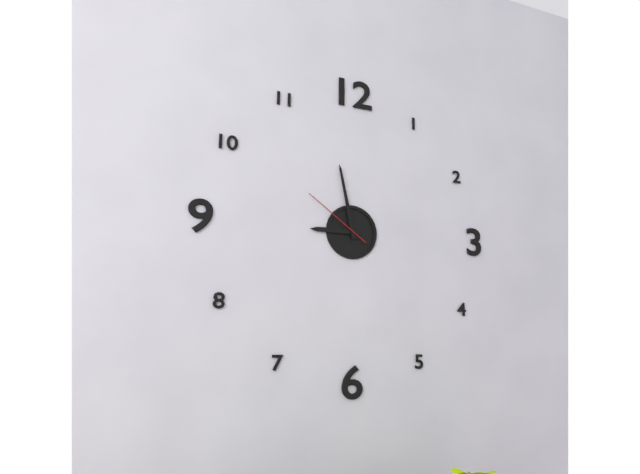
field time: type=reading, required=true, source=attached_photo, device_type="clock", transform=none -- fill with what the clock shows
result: 8:58:51
